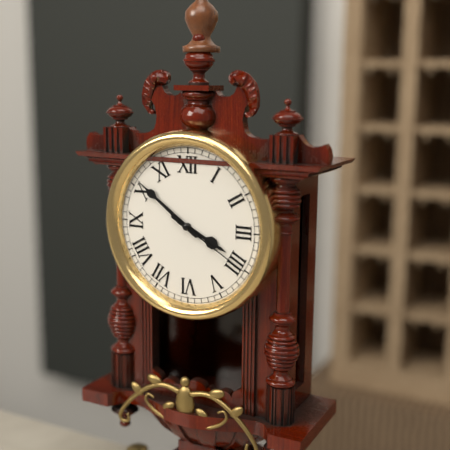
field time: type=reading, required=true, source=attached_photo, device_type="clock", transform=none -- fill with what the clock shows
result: 3:51:20
